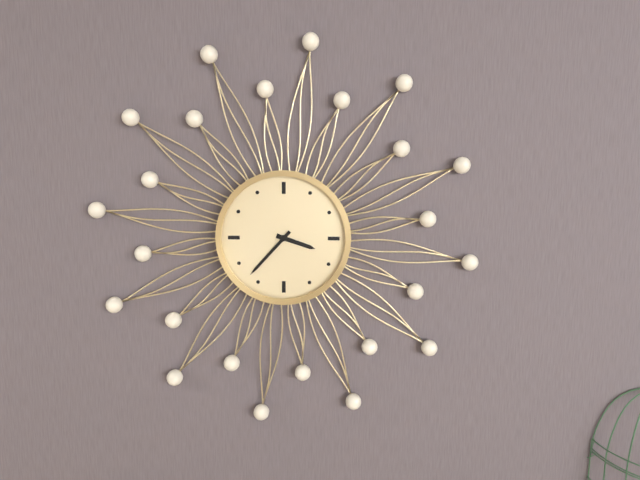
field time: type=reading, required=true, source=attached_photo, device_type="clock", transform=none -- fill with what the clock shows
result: 3:37
